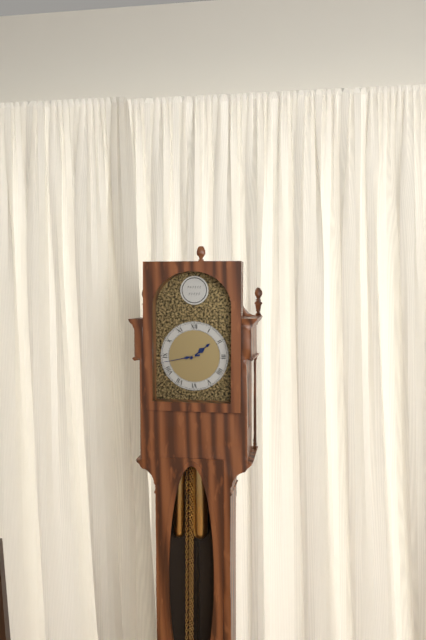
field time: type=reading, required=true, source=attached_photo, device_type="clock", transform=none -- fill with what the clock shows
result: 1:43
